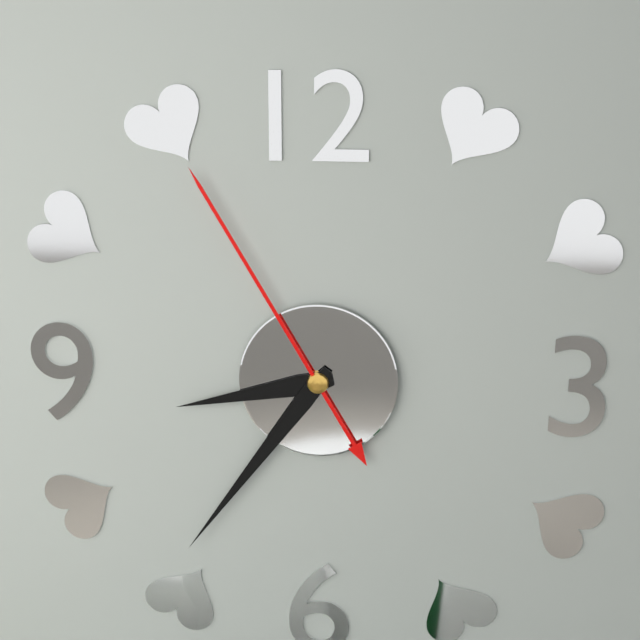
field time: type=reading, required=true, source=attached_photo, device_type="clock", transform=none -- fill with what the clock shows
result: 8:36:55
